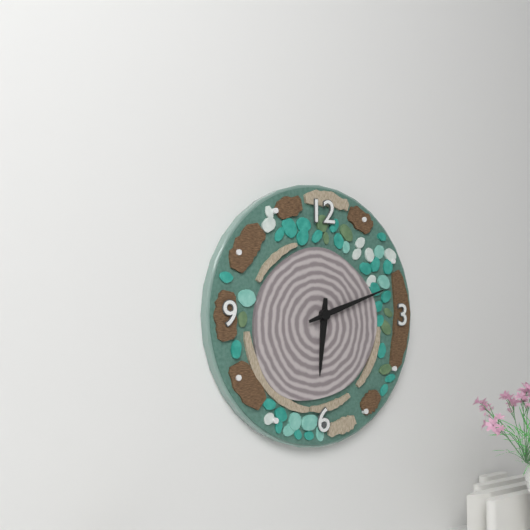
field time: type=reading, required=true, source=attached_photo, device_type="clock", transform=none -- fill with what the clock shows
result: 6:12
